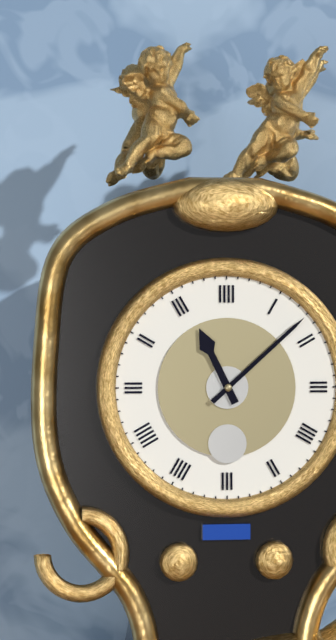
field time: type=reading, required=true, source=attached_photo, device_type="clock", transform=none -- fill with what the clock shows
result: 11:08
